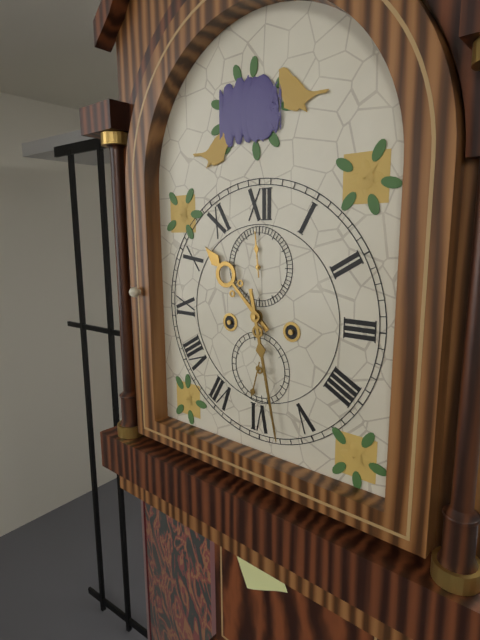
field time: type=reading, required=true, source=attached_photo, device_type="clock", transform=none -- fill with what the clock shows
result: 10:28
